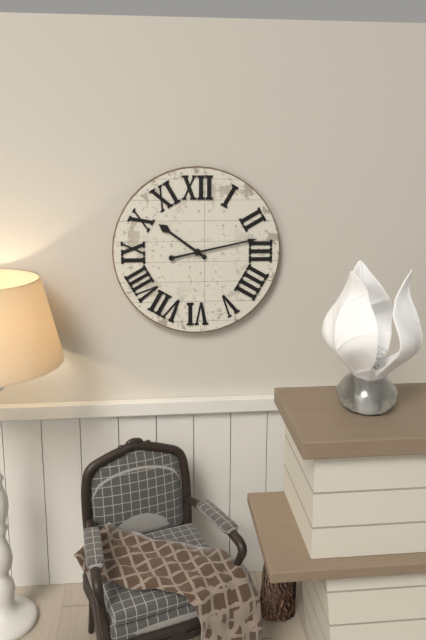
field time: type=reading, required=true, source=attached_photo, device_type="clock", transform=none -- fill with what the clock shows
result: 10:13
